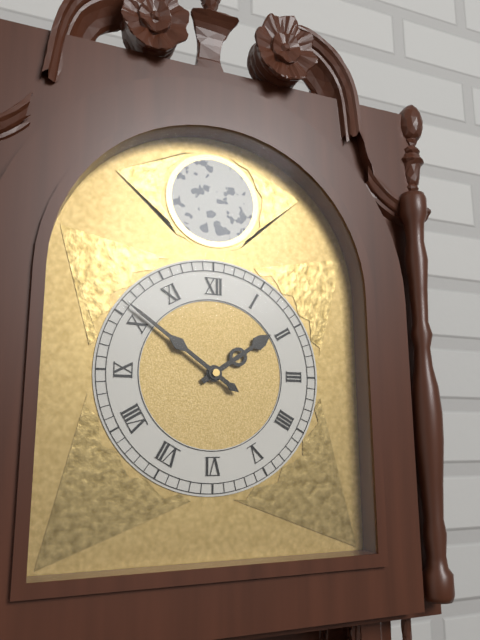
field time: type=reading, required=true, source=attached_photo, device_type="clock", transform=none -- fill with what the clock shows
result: 1:51
